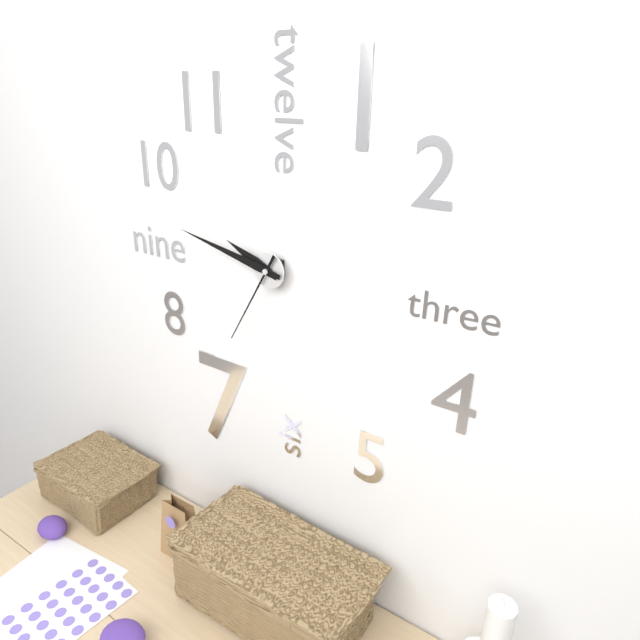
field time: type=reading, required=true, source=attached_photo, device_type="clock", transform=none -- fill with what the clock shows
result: 9:47:35
